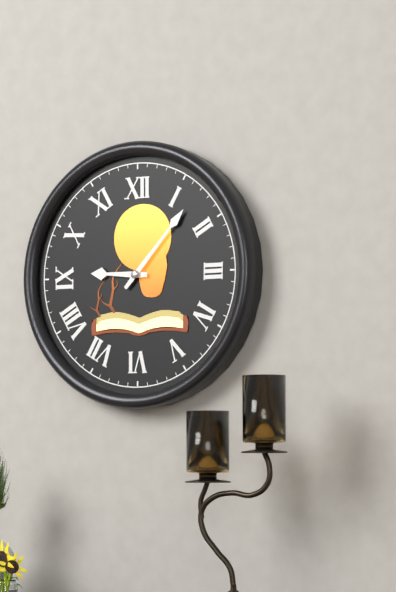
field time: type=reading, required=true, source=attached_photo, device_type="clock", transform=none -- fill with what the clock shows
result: 9:07
